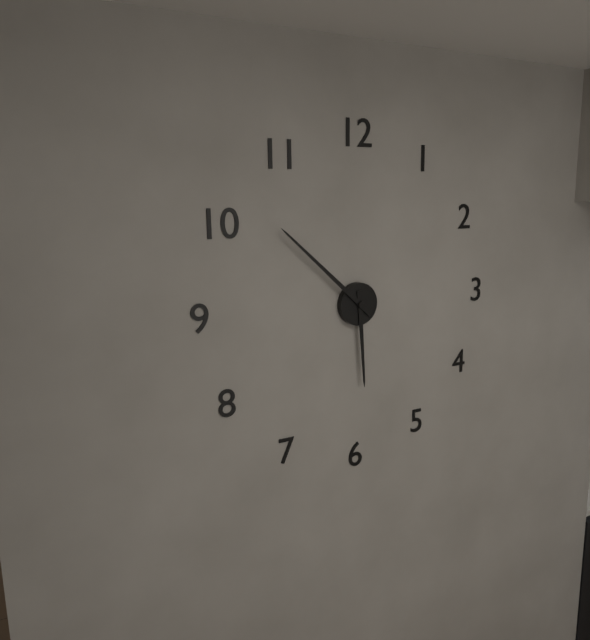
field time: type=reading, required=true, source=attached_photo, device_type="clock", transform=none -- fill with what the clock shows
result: 5:52
